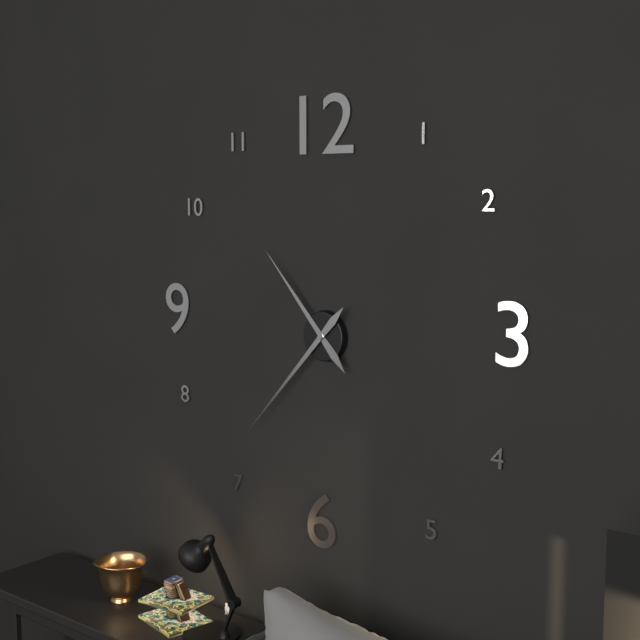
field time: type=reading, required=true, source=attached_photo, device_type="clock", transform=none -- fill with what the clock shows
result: 10:37
